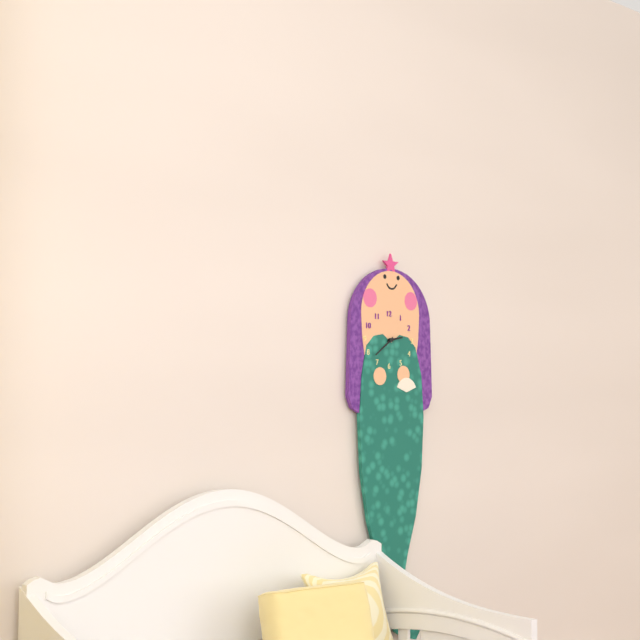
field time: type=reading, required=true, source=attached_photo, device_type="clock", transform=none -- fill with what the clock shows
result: 2:39
